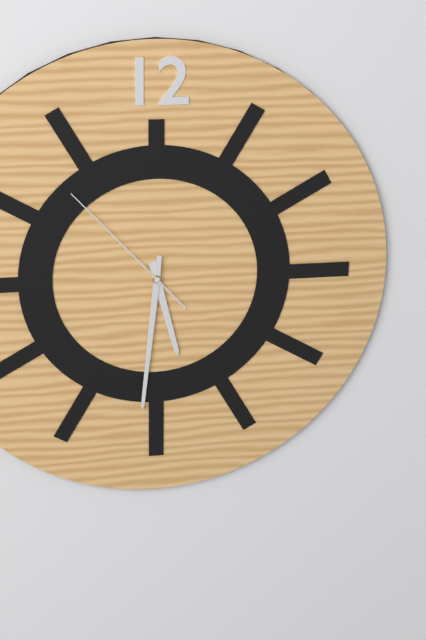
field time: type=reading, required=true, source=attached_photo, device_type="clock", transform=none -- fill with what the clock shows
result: 5:31:53
